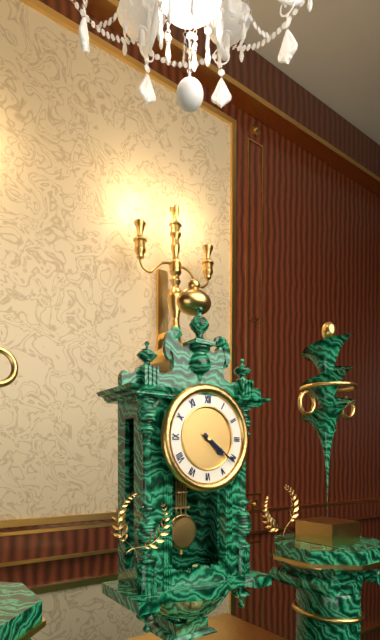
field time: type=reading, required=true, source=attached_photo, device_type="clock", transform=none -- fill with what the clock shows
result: 4:21
